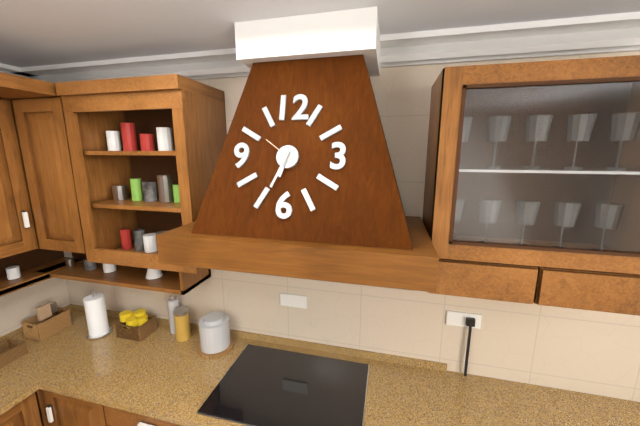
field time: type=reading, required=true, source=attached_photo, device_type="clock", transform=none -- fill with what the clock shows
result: 6:34
